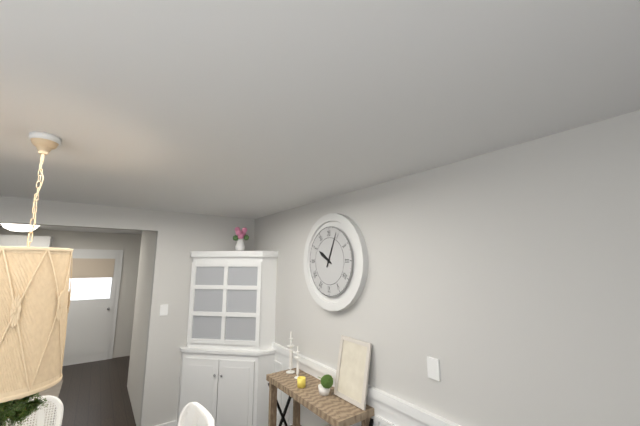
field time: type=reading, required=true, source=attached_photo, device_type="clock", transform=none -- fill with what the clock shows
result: 10:04
